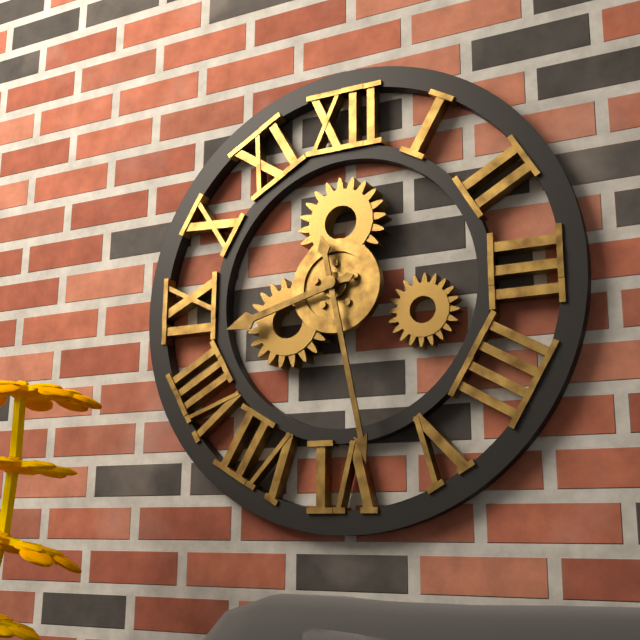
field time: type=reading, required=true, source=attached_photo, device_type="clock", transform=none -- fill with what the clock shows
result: 8:28
